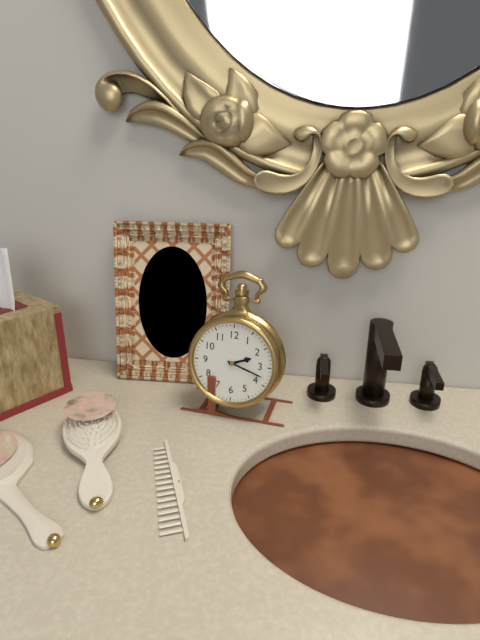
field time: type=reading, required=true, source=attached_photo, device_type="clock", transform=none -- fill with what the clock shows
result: 2:18
